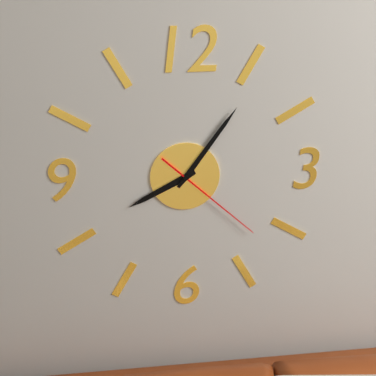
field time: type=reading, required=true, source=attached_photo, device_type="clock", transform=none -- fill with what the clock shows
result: 8:06:22
